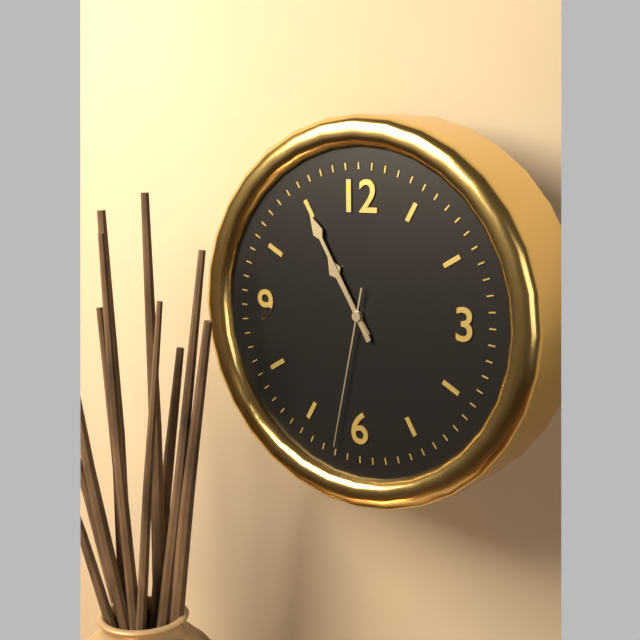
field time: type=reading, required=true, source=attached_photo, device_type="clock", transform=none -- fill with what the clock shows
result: 10:55:32
